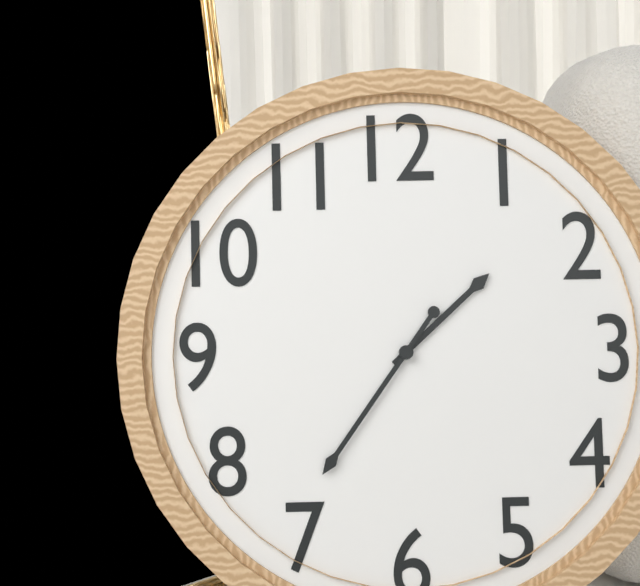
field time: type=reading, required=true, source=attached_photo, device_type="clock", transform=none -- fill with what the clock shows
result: 1:36
